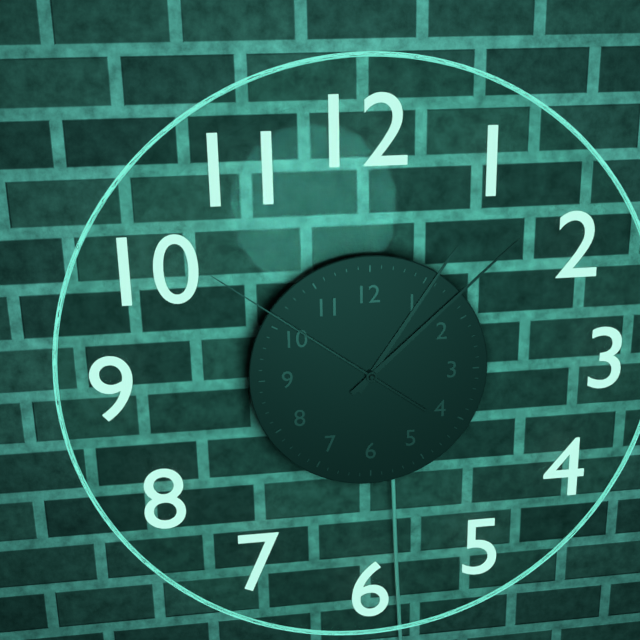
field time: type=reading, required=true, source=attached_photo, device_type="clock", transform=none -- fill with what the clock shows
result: 1:08:51
